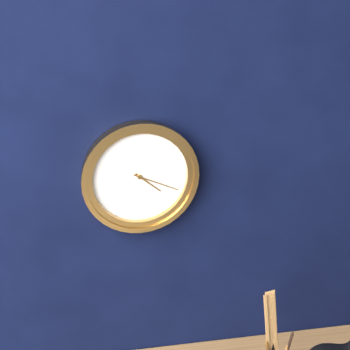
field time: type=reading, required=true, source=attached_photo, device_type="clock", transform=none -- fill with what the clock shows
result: 4:19
